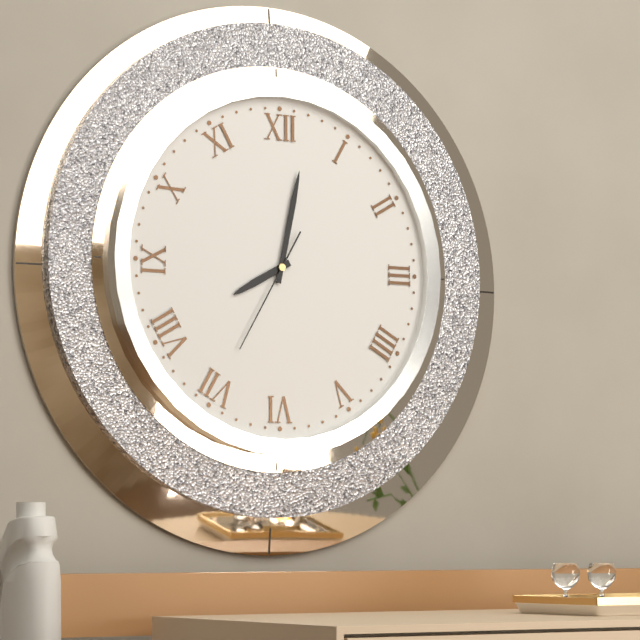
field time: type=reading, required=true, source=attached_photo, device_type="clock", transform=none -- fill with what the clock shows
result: 8:02:35
